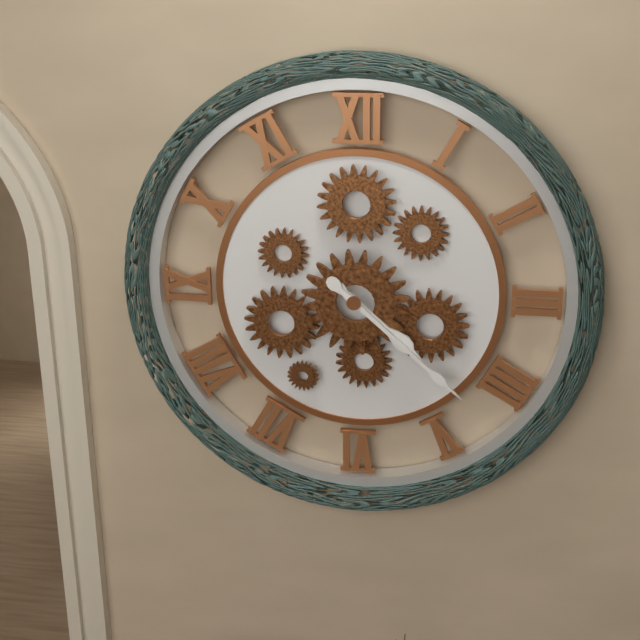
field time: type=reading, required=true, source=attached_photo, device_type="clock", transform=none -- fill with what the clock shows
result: 4:22
